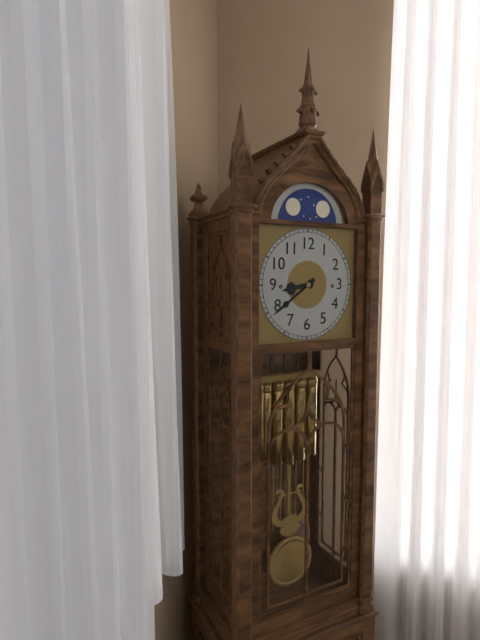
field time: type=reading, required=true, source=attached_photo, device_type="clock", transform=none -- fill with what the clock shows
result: 8:39
